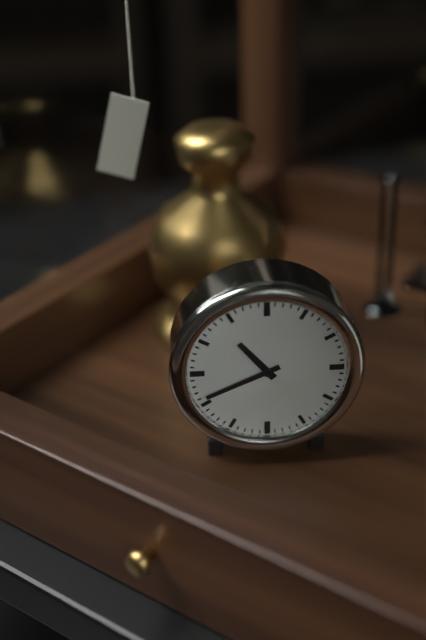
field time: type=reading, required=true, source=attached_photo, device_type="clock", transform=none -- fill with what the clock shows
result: 10:41
